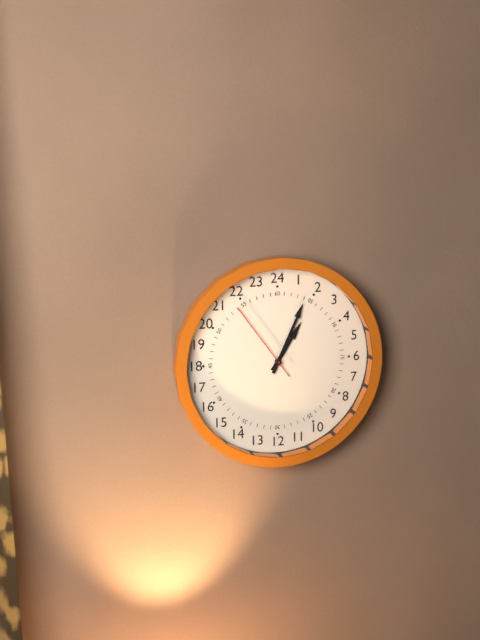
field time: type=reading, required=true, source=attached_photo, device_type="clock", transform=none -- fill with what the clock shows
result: 1:04:54
